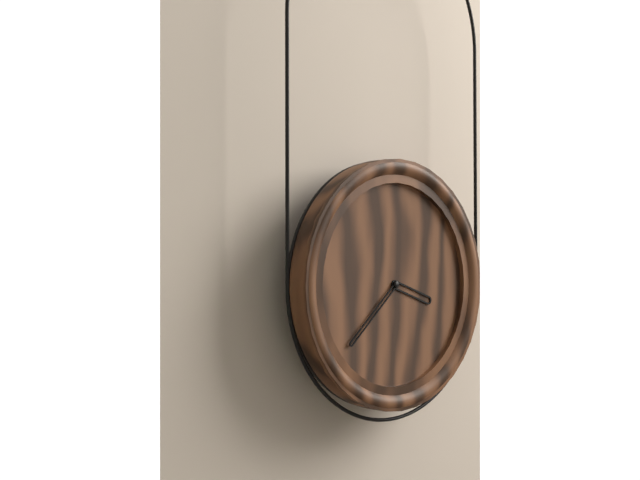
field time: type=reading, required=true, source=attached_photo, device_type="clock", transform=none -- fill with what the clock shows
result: 3:38
